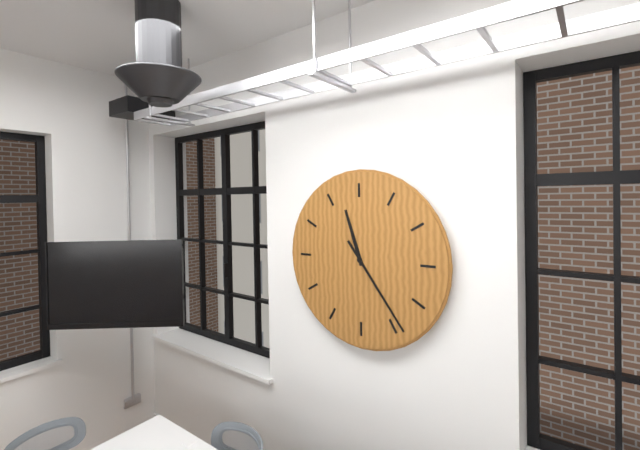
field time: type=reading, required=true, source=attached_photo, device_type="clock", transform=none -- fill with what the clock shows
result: 11:24
